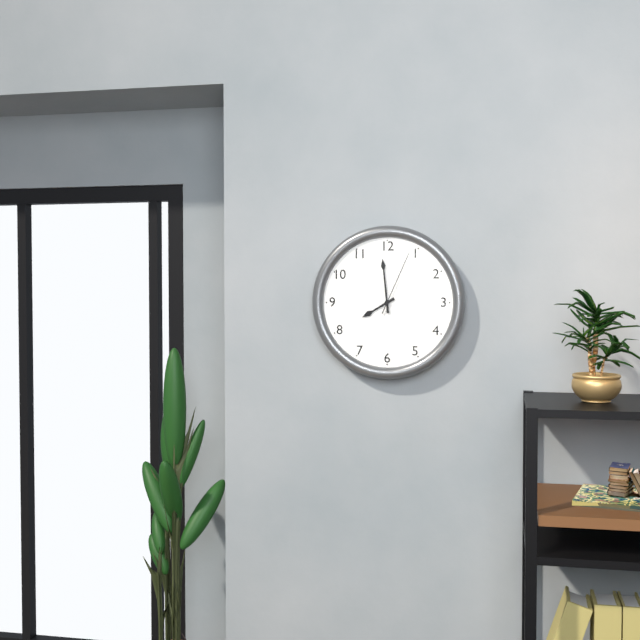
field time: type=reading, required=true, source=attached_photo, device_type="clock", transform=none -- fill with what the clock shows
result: 7:59:04
